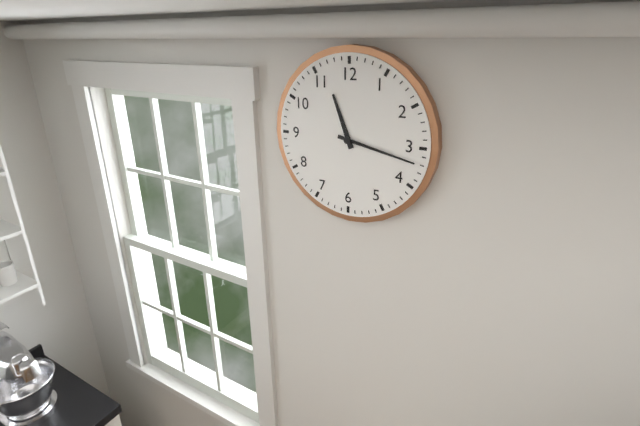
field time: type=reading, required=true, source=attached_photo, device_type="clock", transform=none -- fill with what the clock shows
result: 11:17
